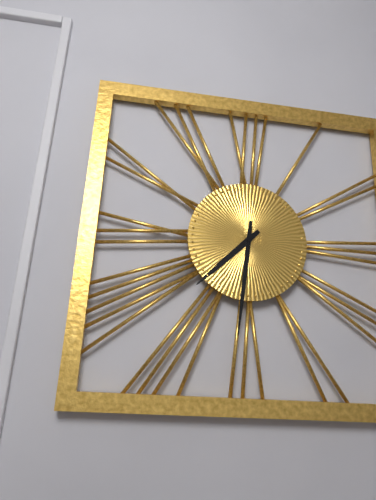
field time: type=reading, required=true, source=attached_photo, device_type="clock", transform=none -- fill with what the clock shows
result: 7:31
